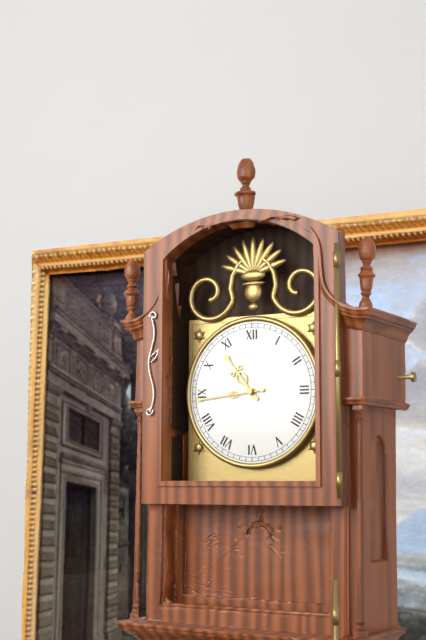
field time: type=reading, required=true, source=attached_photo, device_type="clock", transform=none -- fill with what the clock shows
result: 10:44
